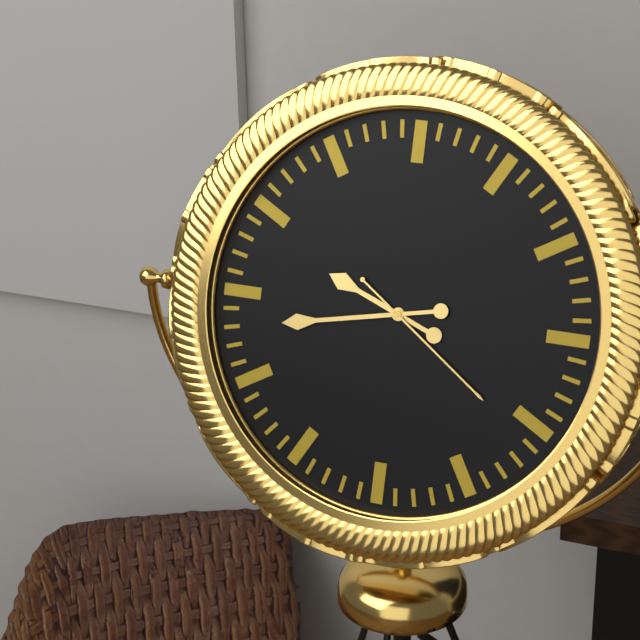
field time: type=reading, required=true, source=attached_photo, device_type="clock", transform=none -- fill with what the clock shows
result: 9:43:21
